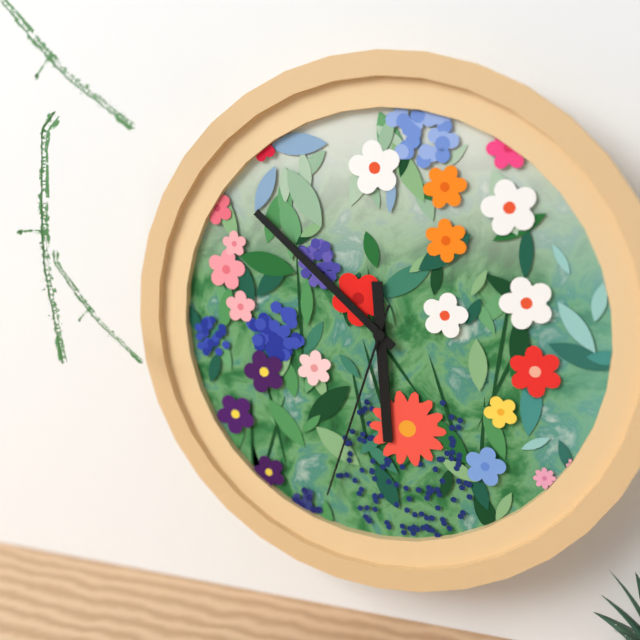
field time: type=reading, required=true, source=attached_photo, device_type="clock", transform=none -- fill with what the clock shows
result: 5:52:33
